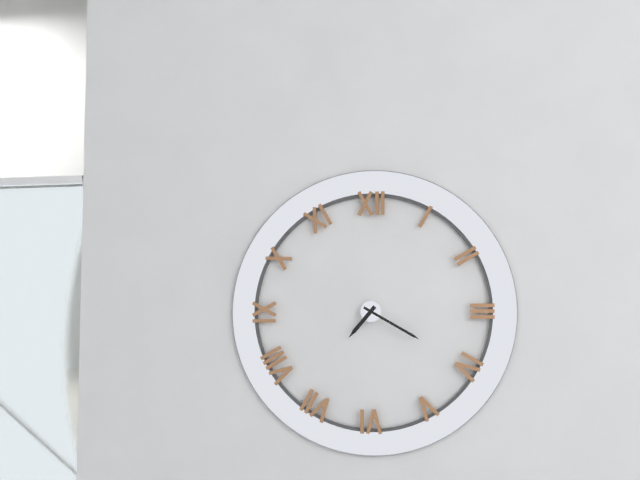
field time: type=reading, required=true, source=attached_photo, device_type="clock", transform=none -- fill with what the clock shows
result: 7:20
